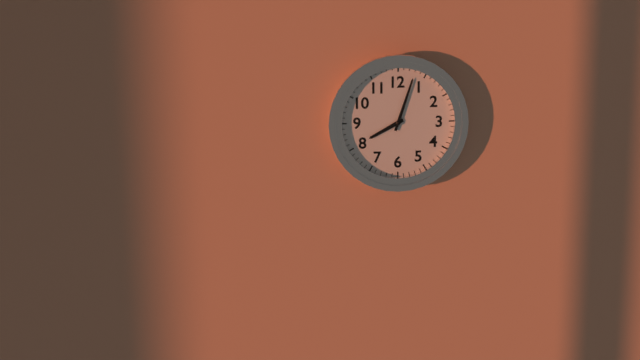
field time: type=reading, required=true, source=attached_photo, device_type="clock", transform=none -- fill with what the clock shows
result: 8:03
